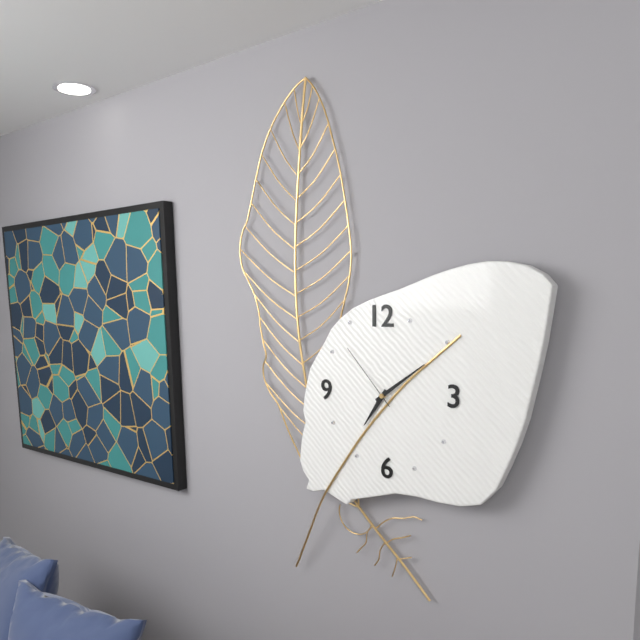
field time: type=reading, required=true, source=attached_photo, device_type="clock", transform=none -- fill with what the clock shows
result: 7:09:53
